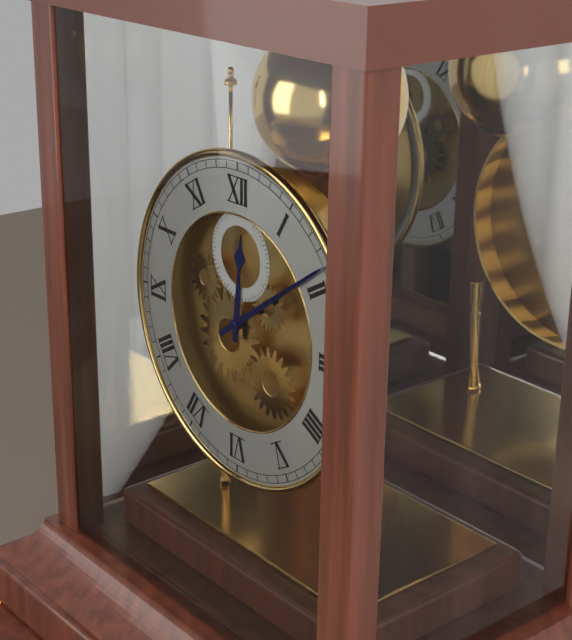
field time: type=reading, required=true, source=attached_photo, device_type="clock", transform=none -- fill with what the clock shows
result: 12:09
